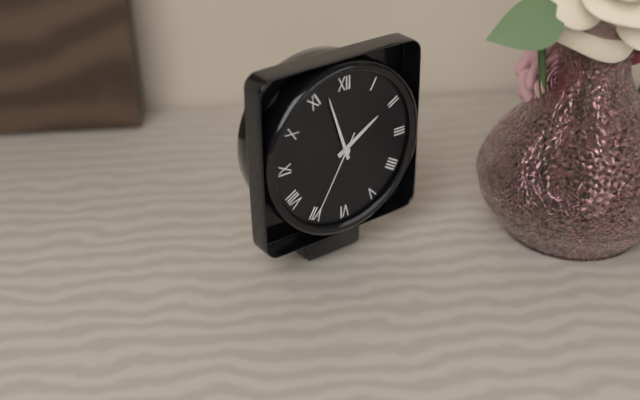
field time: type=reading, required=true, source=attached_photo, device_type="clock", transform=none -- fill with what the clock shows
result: 1:57:35
